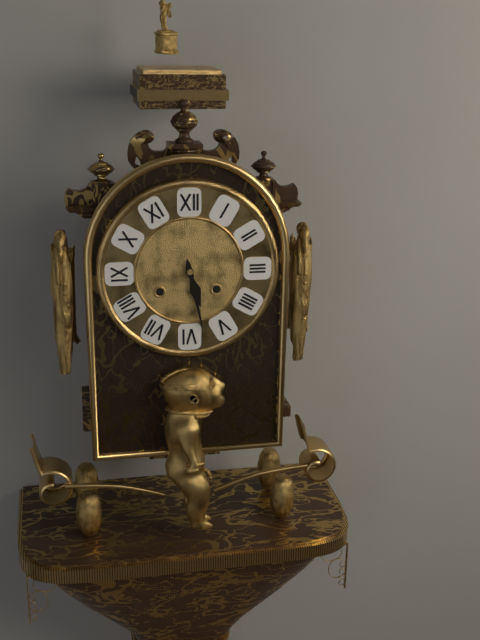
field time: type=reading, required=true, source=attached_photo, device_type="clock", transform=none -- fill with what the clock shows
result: 5:28
